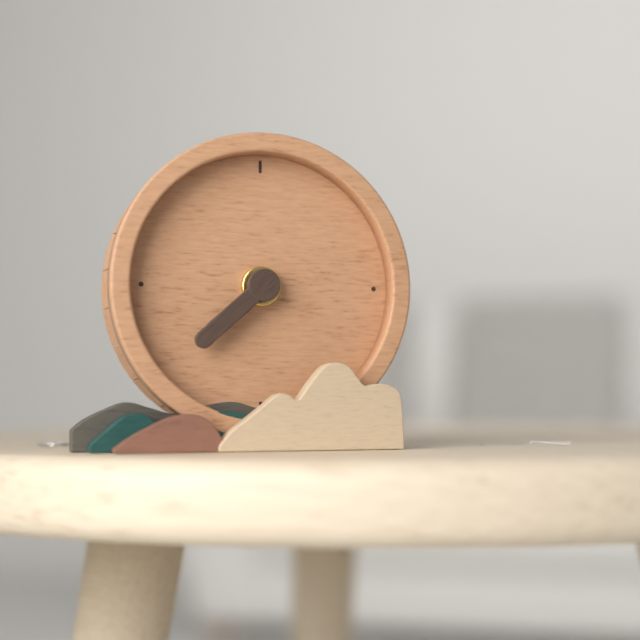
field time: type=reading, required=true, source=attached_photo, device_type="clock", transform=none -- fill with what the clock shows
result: 7:38
